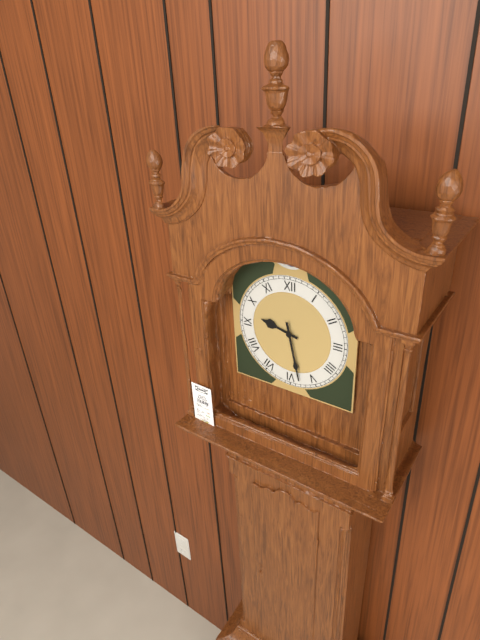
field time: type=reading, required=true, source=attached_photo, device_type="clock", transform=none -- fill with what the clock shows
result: 9:28
